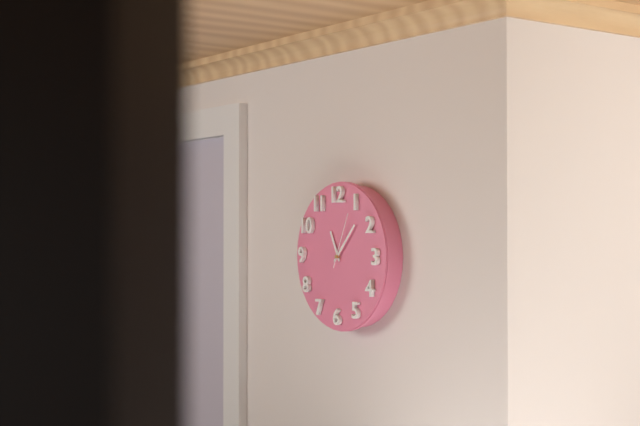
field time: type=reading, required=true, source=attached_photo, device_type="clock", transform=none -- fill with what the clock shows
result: 11:07:04
